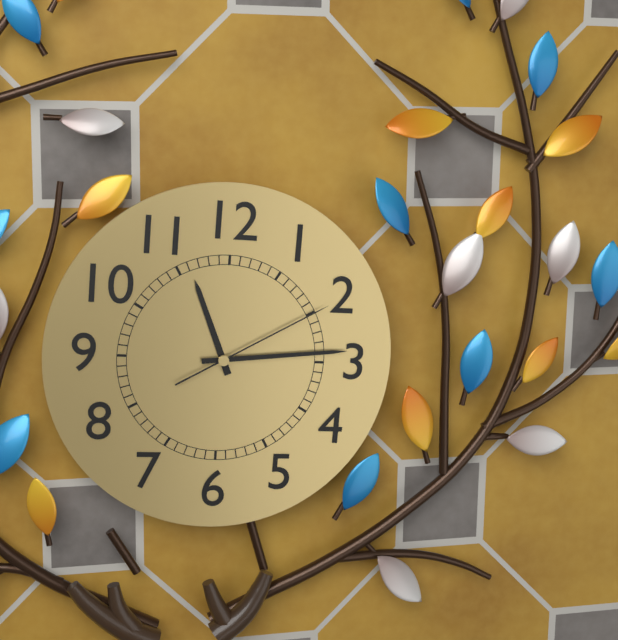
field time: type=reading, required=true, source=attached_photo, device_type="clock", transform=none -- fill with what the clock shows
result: 11:14:10
